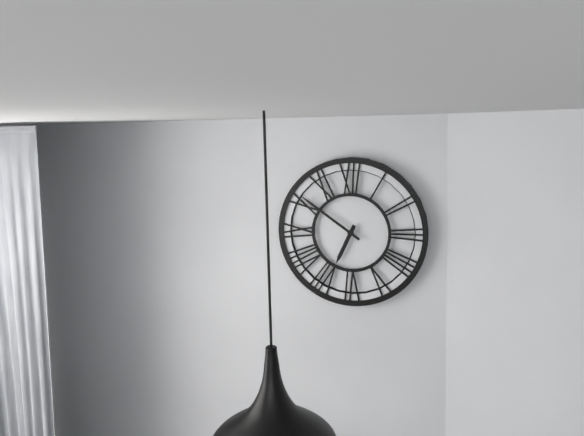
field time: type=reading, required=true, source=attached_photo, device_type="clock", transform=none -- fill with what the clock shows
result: 6:51
